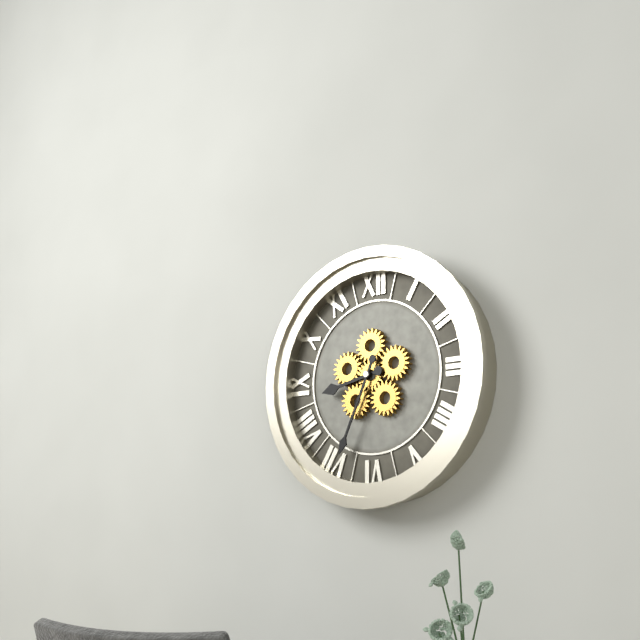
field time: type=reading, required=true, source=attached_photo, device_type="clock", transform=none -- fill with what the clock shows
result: 8:34
